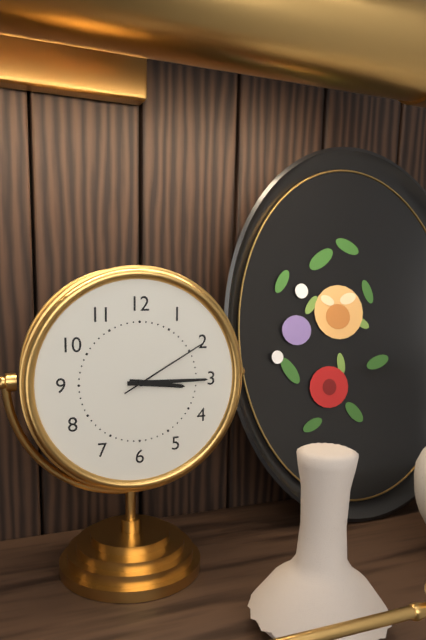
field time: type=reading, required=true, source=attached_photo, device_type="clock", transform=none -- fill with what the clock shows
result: 3:15:10
